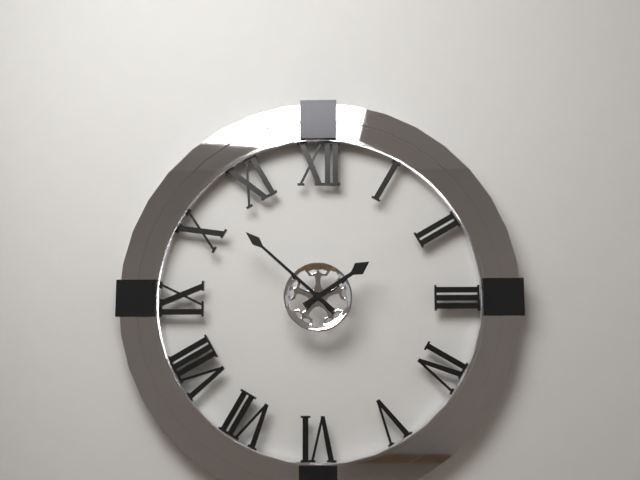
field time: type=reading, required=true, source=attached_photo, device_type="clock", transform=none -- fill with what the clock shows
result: 1:52
